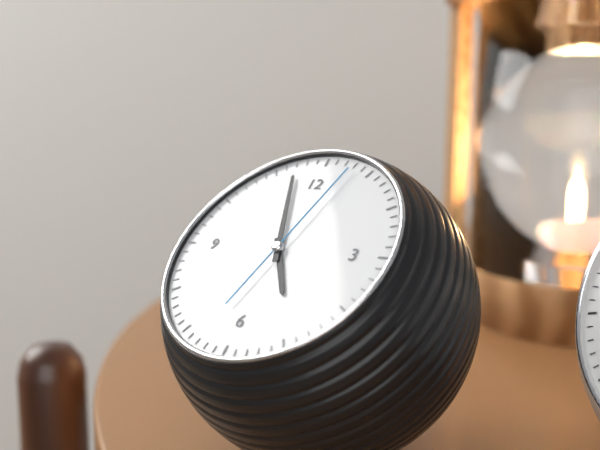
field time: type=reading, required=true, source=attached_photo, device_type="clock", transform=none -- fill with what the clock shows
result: 4:57:03
